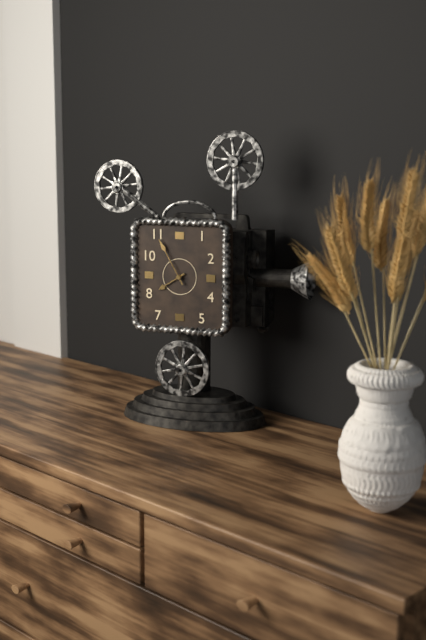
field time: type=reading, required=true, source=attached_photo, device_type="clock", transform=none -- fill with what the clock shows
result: 7:55
